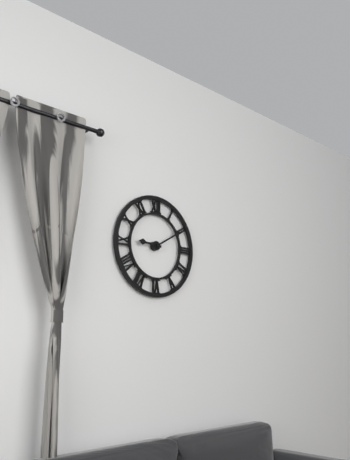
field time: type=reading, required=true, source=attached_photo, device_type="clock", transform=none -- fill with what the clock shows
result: 9:10
